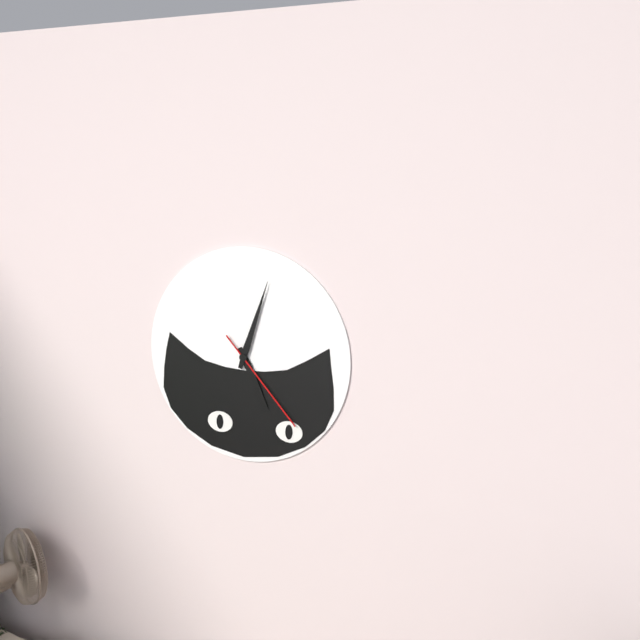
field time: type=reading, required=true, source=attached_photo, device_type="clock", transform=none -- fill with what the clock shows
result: 5:03:23
